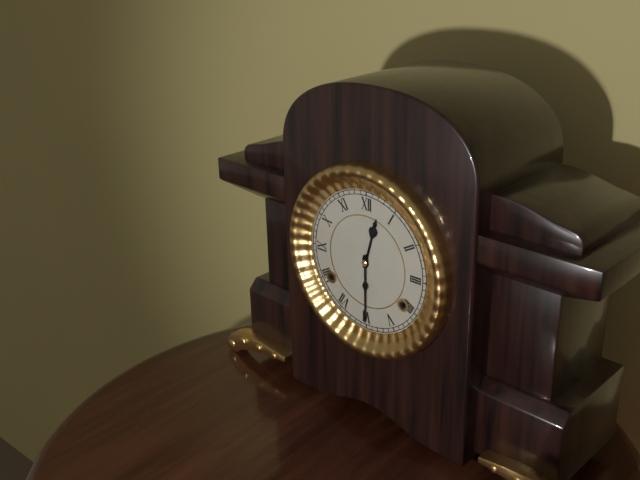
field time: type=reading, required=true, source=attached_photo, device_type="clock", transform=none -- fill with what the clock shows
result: 12:30
